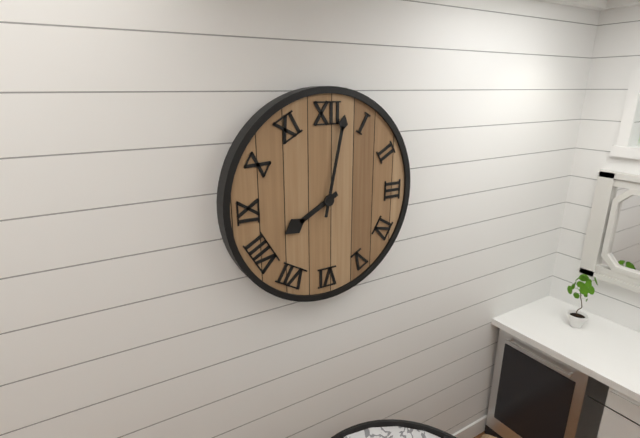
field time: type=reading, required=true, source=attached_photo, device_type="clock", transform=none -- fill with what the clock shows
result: 8:02
